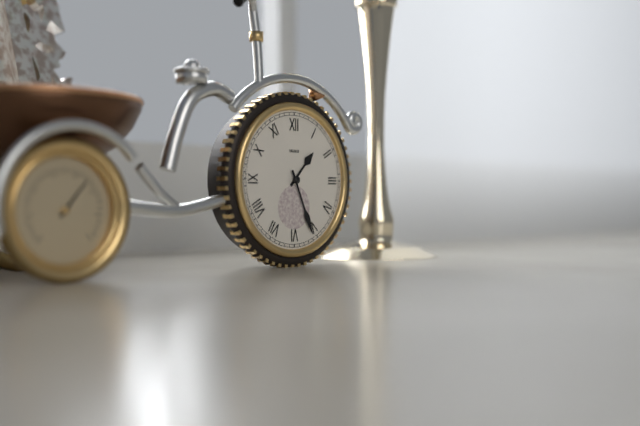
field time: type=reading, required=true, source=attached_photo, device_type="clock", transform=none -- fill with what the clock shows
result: 1:26
